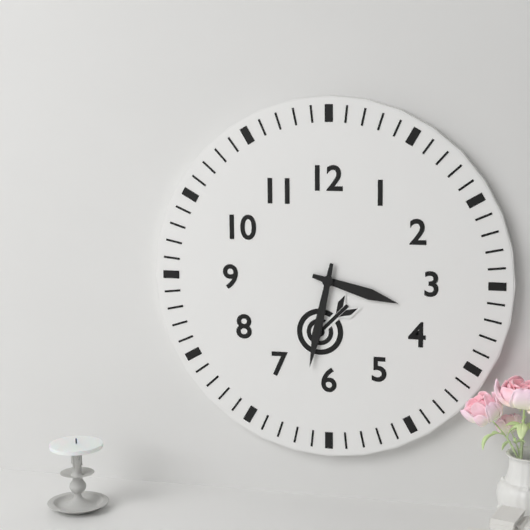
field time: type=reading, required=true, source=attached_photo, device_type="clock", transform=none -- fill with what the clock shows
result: 3:32
